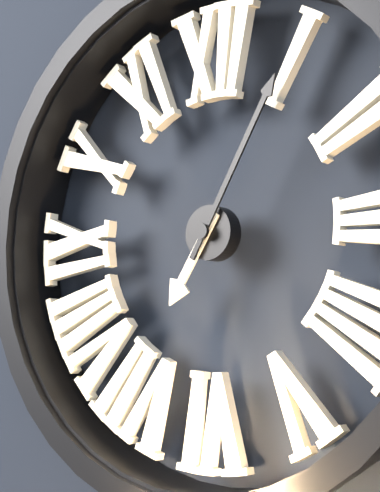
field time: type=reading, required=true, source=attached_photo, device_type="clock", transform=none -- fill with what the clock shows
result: 7:05
